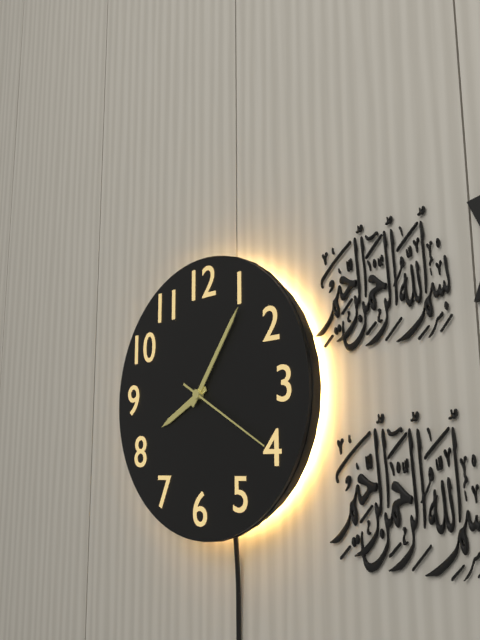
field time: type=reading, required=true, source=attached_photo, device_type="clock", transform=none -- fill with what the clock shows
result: 8:06:20
